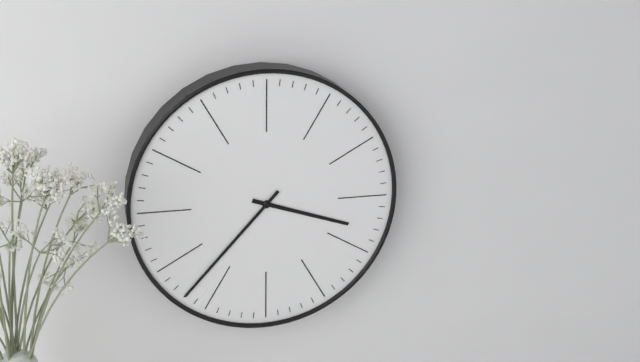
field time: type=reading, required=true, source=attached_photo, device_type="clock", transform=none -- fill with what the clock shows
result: 3:37
